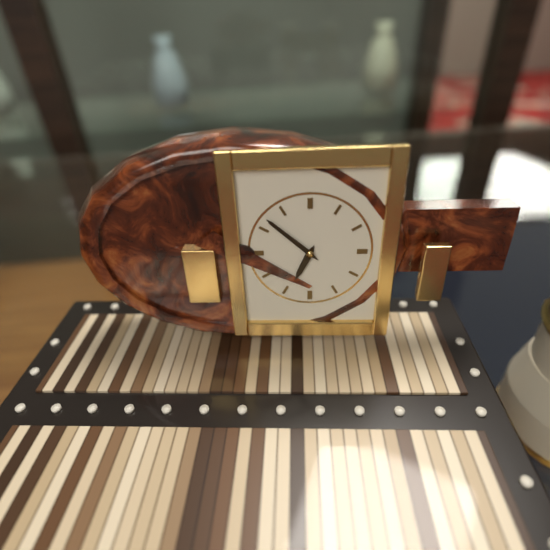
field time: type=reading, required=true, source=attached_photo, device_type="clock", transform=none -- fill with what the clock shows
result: 6:52
